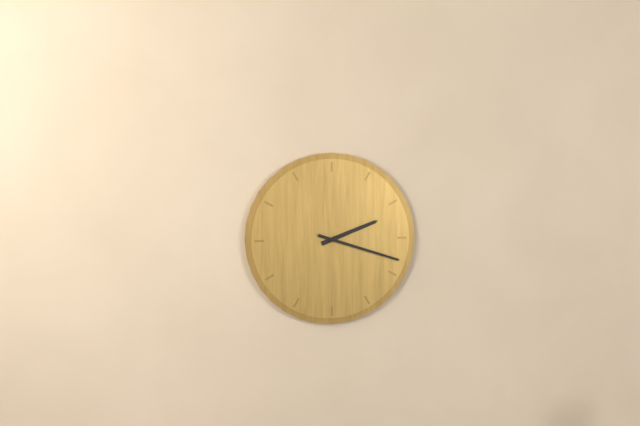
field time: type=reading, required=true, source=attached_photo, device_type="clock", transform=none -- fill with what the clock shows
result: 2:18
